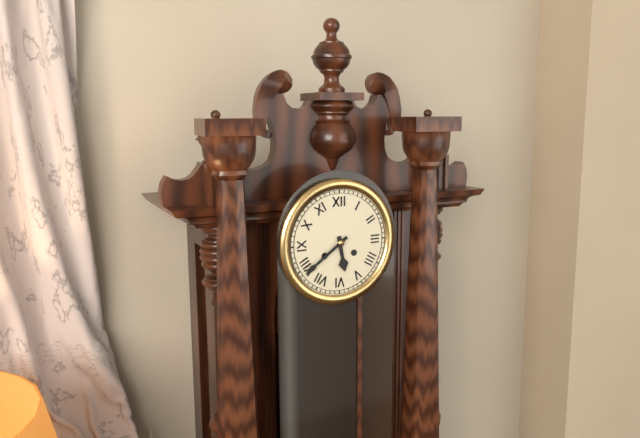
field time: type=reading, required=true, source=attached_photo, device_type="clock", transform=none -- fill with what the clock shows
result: 5:39
